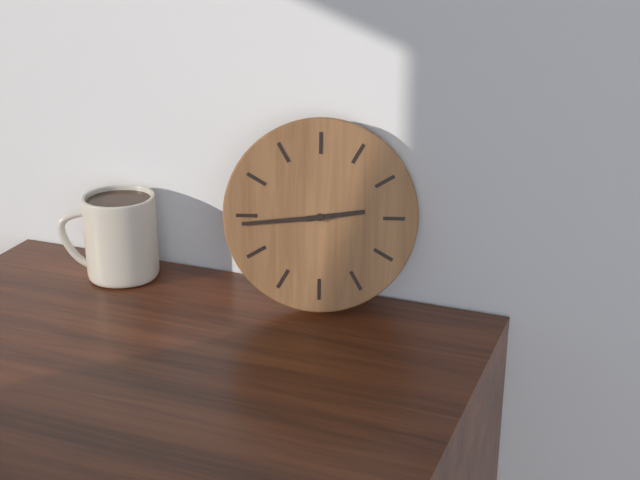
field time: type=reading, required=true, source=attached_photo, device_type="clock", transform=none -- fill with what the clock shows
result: 2:44
